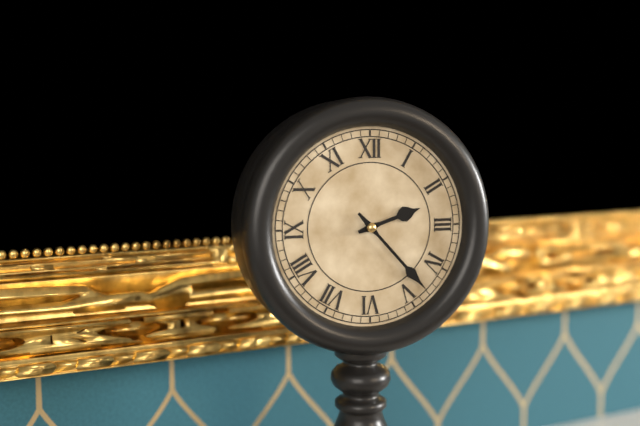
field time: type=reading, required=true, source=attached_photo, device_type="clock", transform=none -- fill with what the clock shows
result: 2:23
